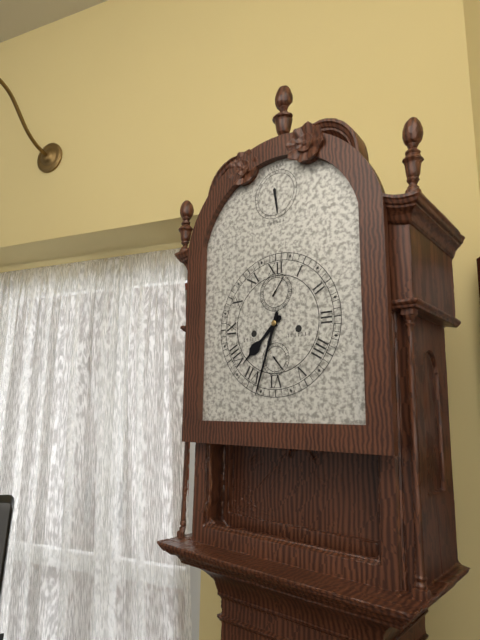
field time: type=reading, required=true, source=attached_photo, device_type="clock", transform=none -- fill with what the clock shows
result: 7:33
